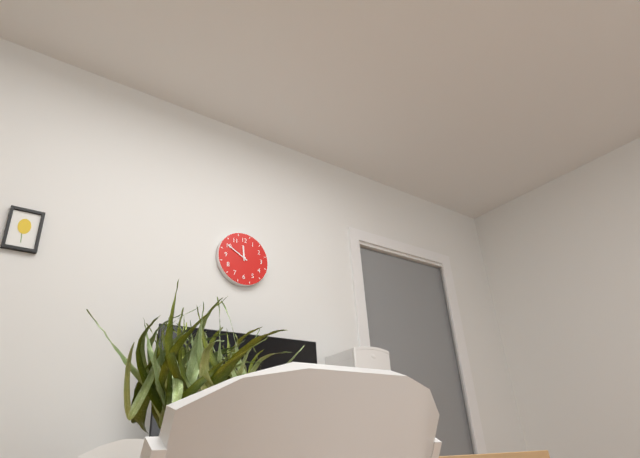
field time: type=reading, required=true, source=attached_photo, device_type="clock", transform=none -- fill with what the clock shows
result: 11:50
